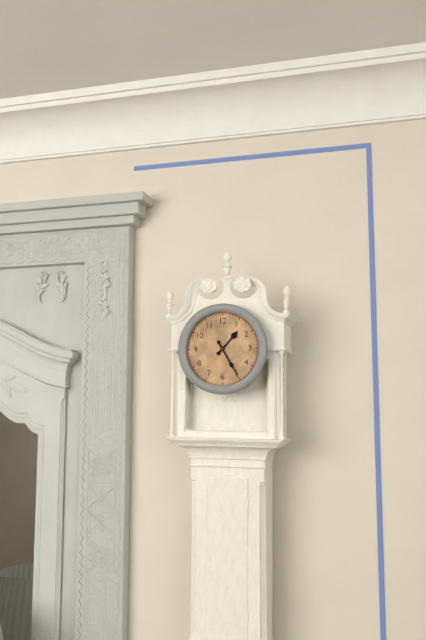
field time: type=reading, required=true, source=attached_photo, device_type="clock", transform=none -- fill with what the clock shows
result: 1:25
